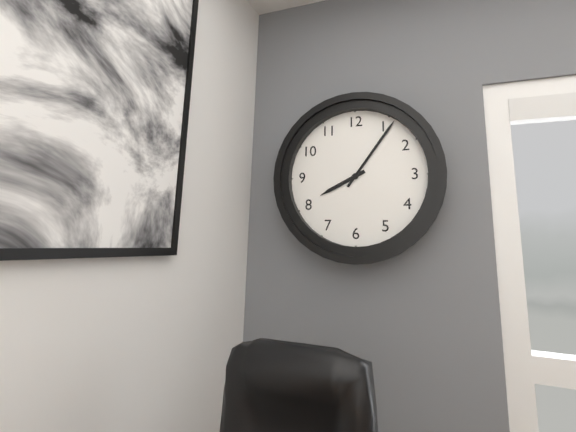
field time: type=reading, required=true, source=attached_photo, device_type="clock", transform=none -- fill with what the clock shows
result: 8:06
